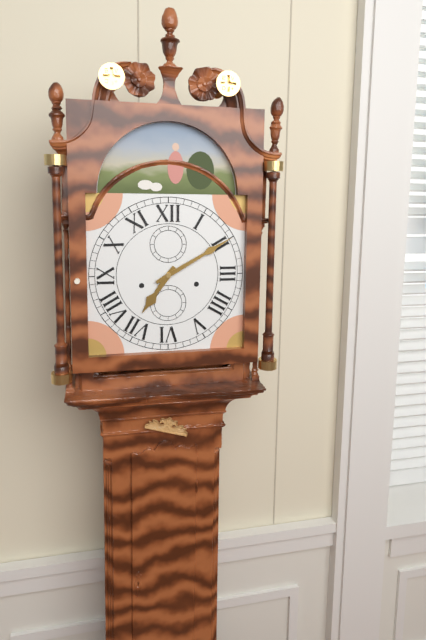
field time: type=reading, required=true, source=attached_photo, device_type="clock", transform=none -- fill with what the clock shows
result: 7:10
